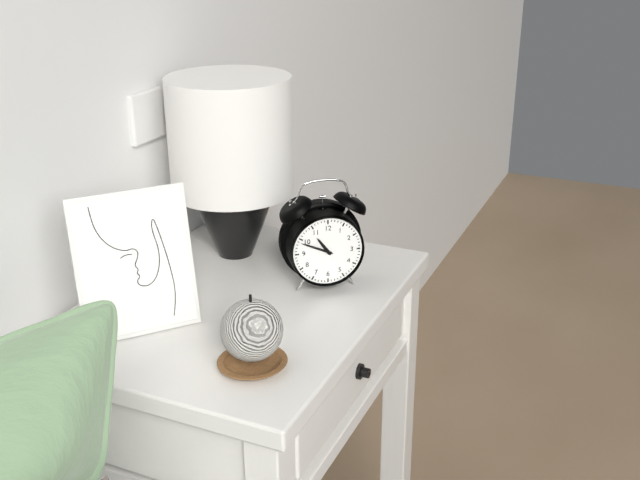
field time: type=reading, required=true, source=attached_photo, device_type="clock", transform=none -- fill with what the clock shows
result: 10:49
